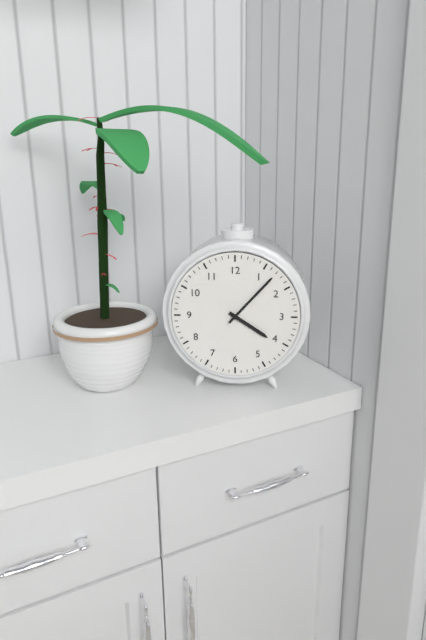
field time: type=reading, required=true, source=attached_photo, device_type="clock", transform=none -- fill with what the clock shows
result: 4:07
